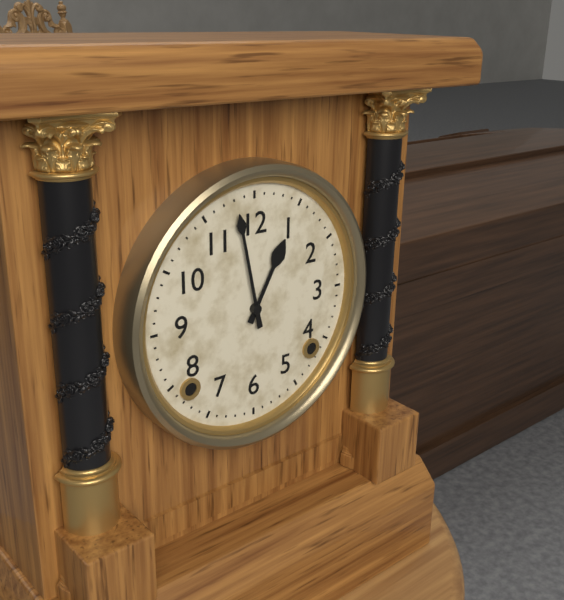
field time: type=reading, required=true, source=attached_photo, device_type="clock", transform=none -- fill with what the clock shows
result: 12:58
